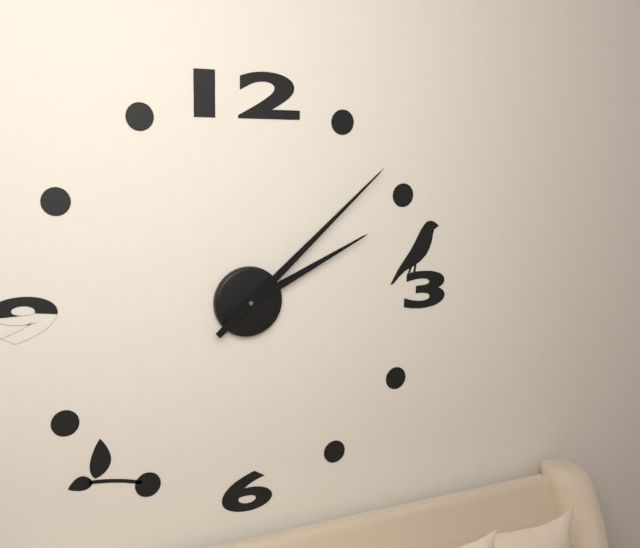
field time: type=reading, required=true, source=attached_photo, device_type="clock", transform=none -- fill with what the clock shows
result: 2:08
